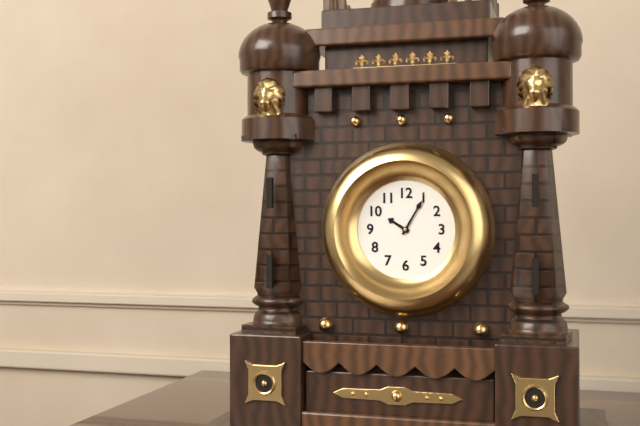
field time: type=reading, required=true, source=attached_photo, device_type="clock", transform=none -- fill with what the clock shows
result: 10:05
